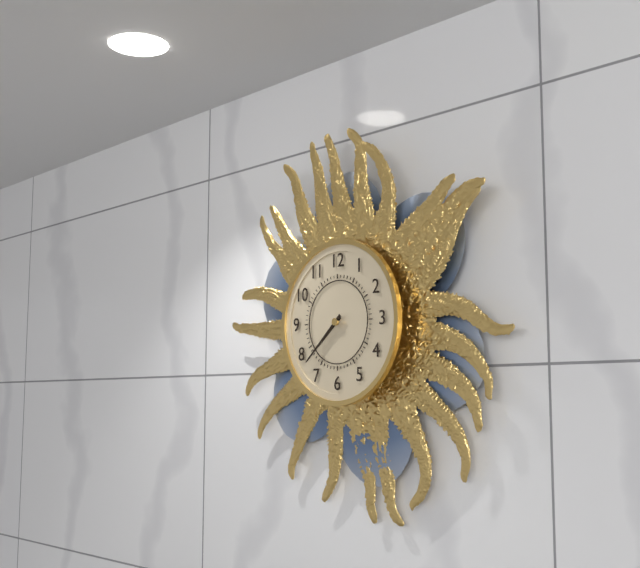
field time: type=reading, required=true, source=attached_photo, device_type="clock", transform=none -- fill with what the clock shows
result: 7:38
